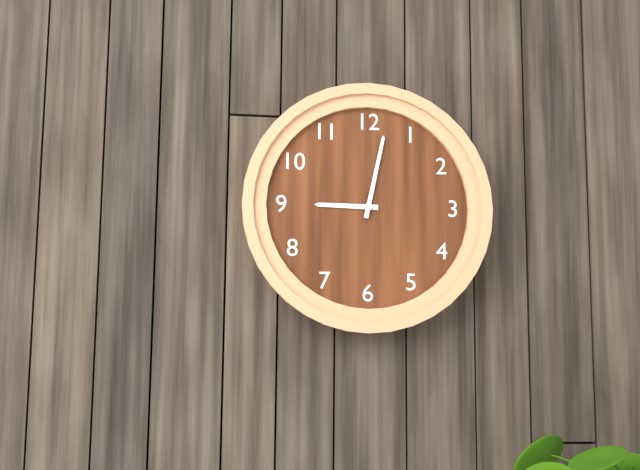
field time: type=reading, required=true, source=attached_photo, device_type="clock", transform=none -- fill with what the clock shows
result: 9:02
